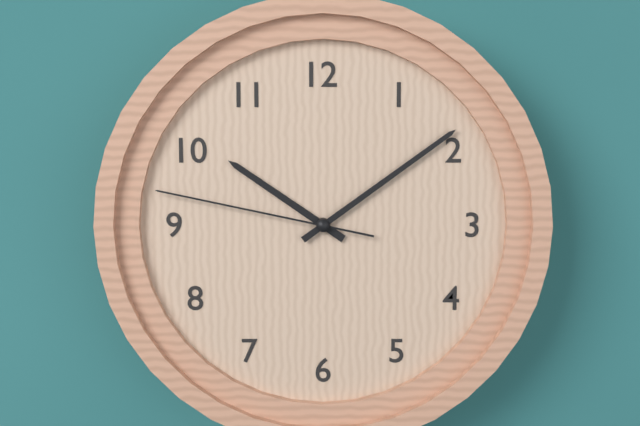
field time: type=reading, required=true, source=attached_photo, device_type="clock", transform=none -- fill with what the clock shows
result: 10:09:47
